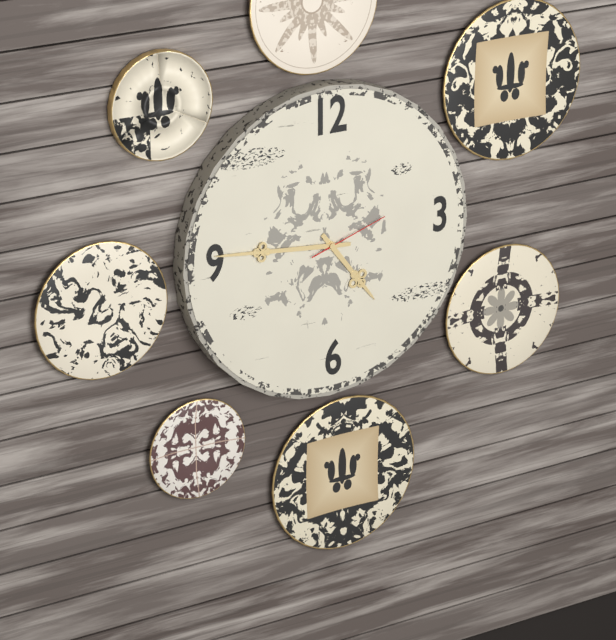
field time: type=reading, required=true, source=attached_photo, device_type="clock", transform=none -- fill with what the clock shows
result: 4:46:12
